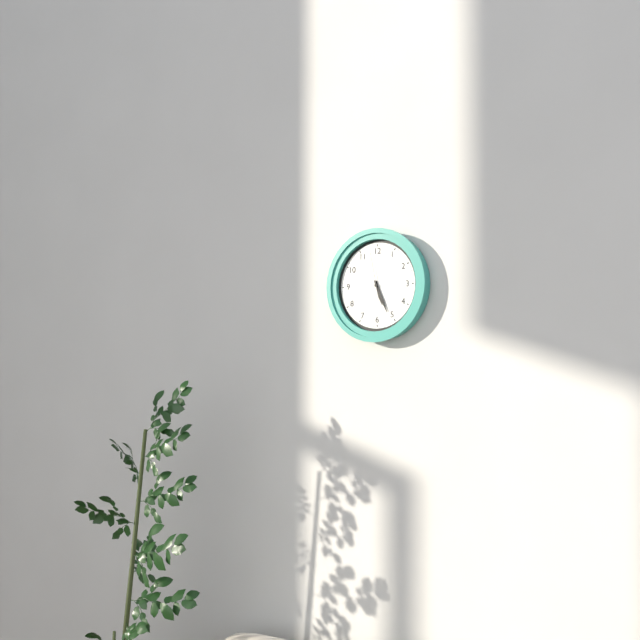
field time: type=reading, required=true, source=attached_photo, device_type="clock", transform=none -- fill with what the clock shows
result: 5:26
